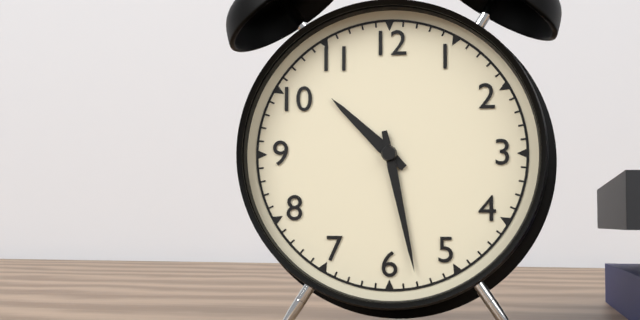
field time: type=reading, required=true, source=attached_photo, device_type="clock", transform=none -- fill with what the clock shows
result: 10:28
